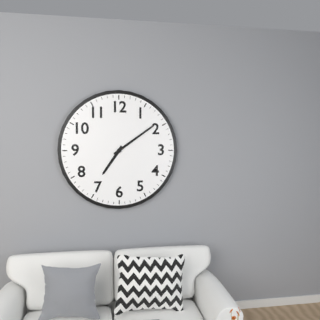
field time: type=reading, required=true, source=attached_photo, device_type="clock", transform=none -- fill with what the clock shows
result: 7:09
